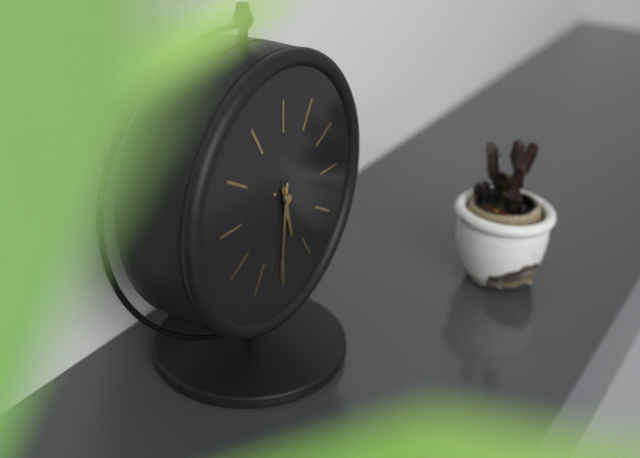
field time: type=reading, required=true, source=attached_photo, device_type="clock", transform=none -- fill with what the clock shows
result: 5:31
